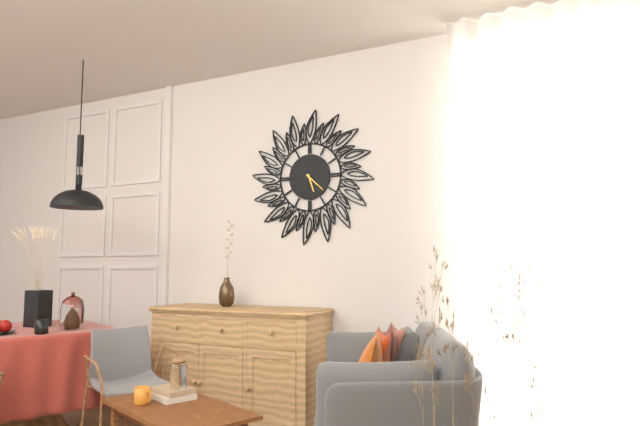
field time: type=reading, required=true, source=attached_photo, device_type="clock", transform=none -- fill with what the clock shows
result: 5:22
